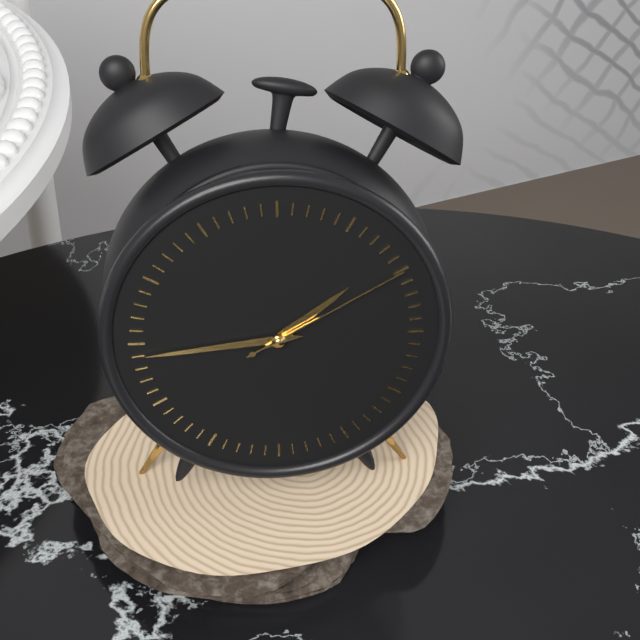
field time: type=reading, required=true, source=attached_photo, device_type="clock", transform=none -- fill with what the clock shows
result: 1:44:10
